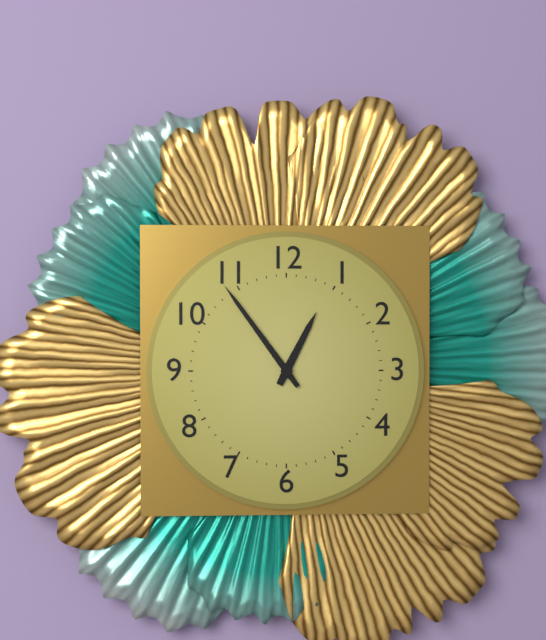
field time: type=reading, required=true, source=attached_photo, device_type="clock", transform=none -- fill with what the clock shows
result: 12:54
